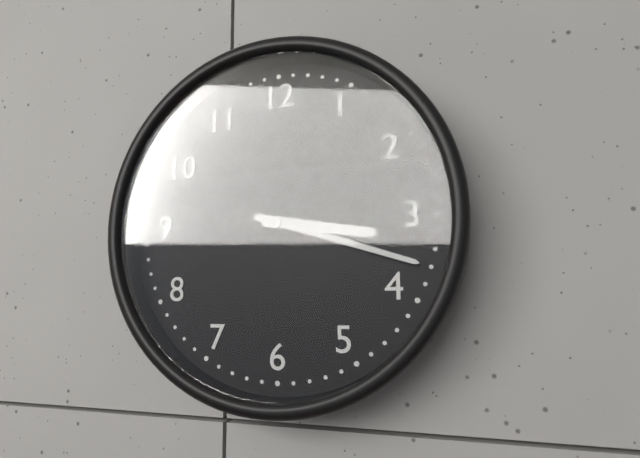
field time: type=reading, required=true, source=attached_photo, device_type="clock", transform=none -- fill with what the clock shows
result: 3:18
